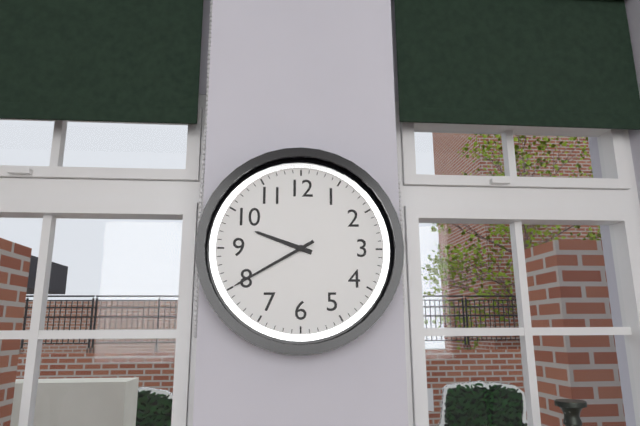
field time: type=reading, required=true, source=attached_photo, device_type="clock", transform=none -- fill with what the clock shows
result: 9:40
